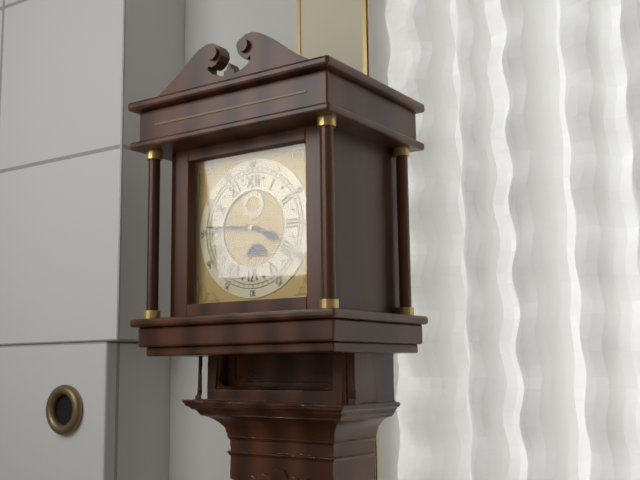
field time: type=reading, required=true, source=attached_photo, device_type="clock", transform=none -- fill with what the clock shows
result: 3:46
